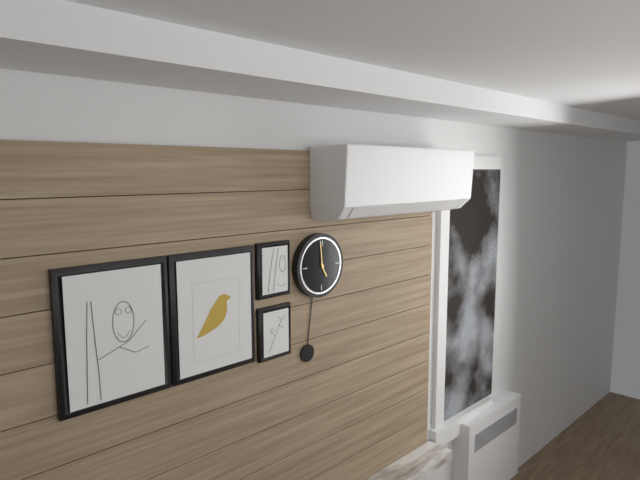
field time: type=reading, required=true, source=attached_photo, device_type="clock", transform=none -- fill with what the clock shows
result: 4:59
